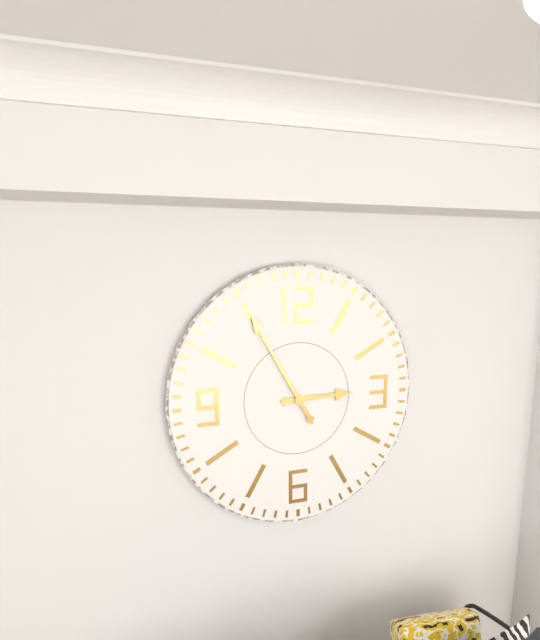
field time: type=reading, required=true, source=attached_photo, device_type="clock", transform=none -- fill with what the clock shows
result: 2:55
